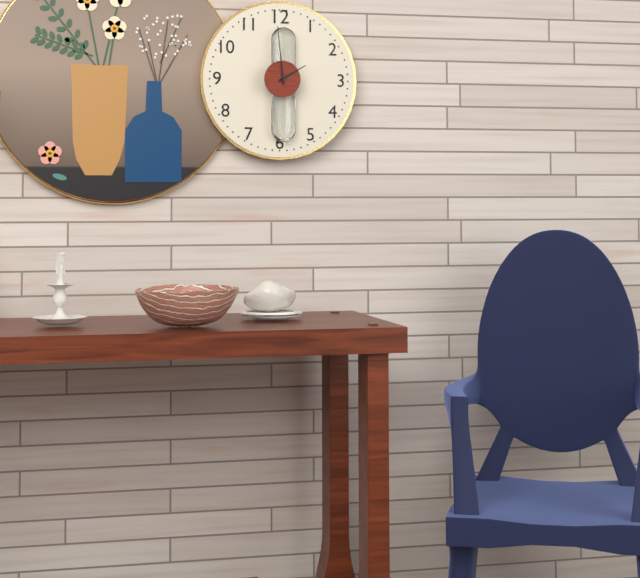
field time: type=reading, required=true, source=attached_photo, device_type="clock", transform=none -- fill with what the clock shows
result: 1:59
